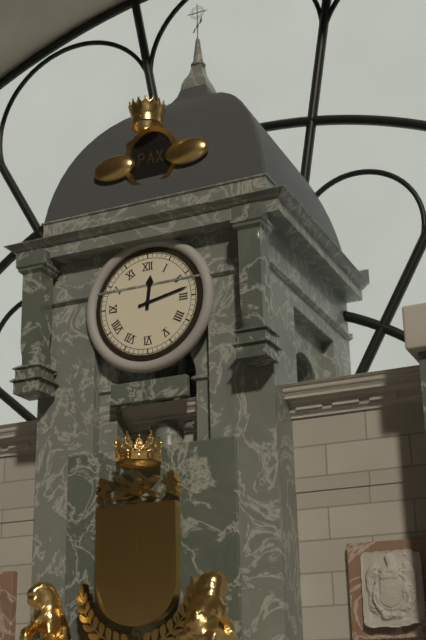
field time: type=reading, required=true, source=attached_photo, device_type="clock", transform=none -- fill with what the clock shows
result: 12:13
